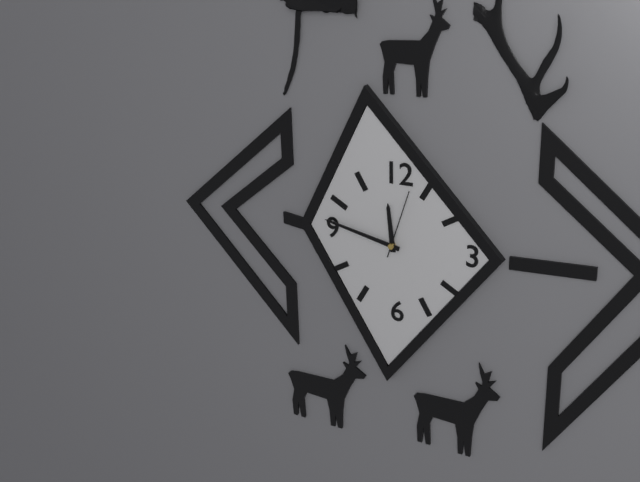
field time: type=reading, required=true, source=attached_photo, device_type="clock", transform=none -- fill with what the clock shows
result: 11:47:03
